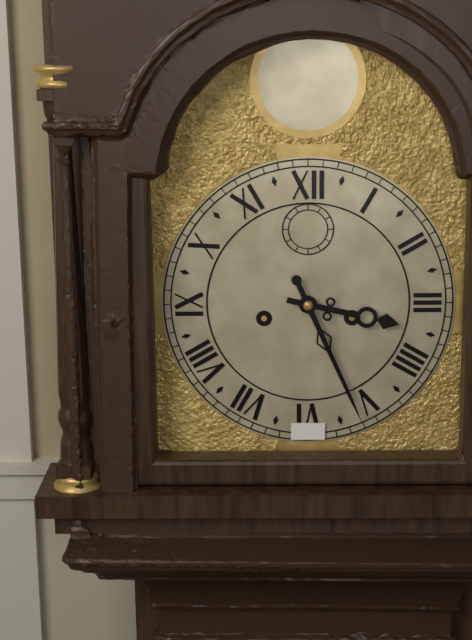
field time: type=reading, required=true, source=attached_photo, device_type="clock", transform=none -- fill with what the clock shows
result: 3:26
